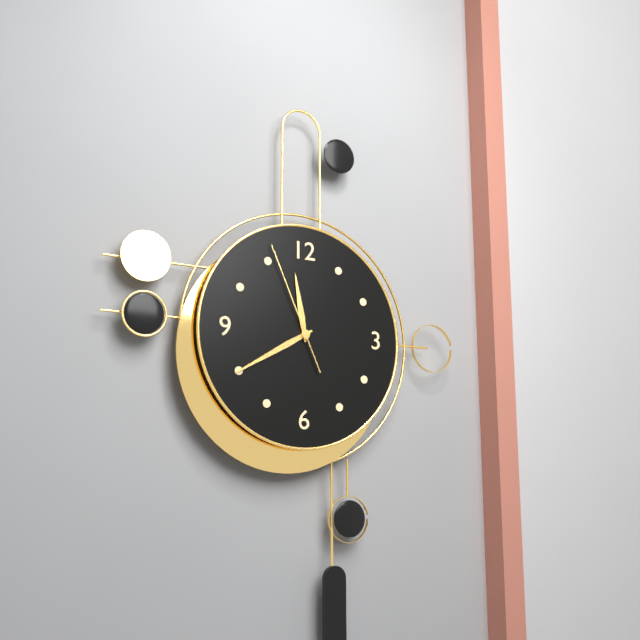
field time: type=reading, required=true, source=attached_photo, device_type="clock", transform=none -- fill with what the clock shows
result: 11:40:56
